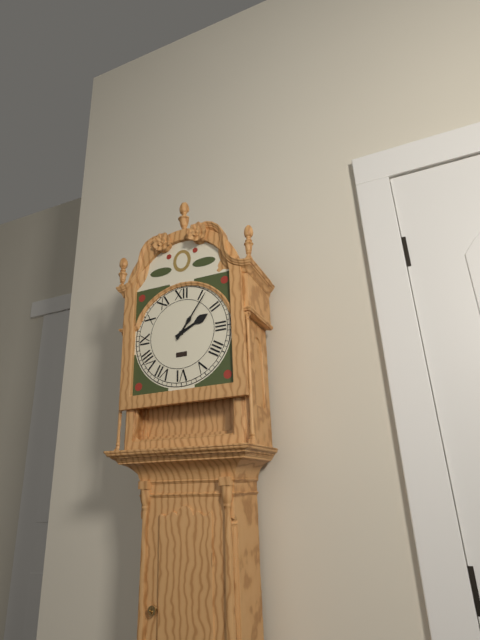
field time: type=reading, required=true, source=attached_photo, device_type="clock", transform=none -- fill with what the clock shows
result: 2:06
